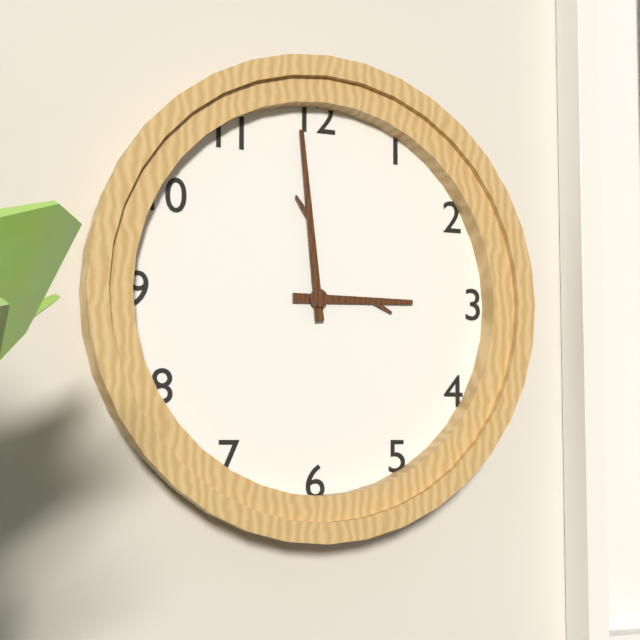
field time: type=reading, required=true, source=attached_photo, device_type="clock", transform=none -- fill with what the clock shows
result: 2:59
